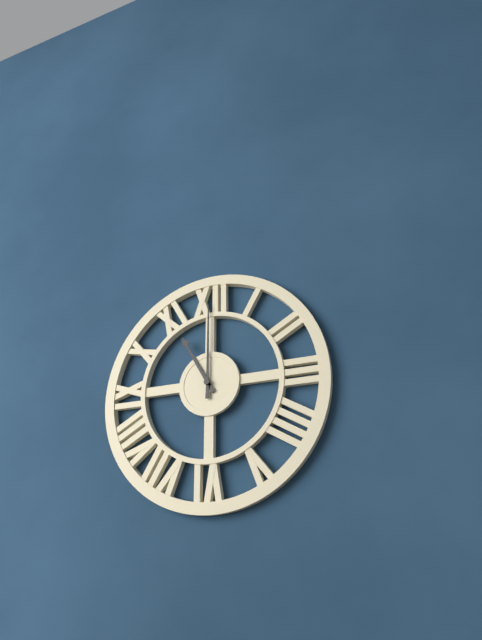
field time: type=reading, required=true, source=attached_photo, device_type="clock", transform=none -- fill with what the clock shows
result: 11:00
